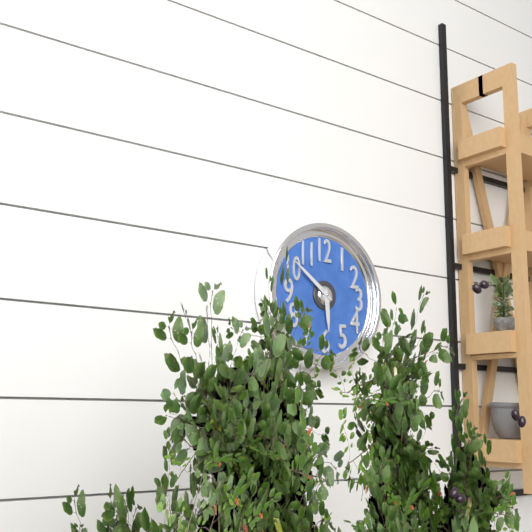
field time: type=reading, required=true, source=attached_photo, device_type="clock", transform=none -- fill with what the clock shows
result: 5:51
